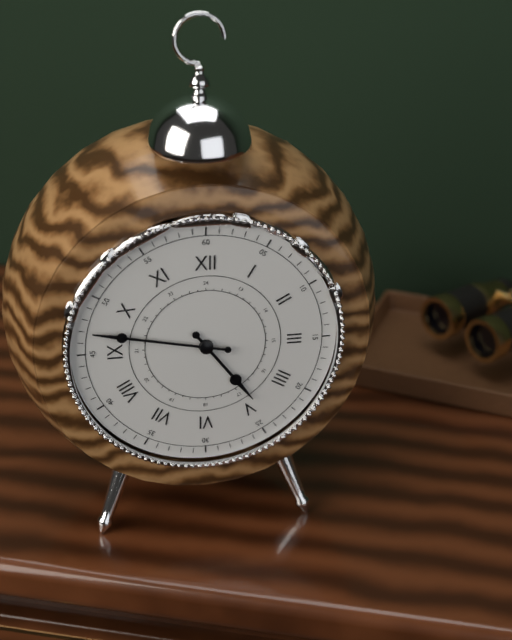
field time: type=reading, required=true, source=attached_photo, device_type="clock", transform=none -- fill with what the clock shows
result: 4:47
